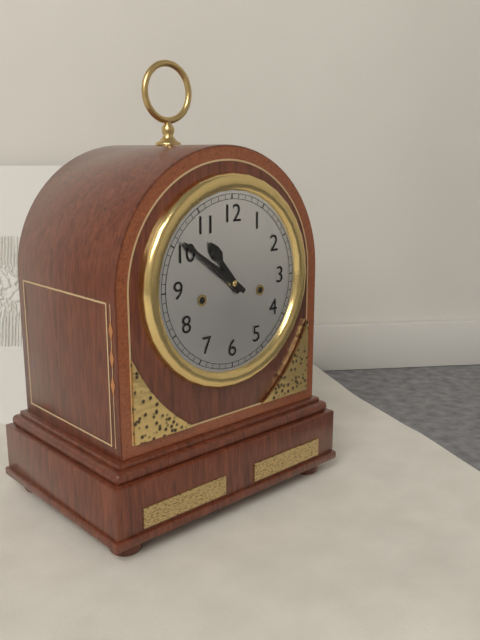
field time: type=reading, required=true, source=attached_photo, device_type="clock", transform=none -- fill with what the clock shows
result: 10:51
